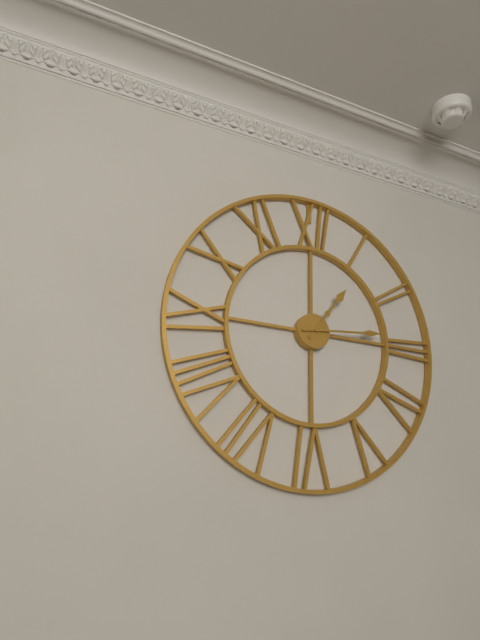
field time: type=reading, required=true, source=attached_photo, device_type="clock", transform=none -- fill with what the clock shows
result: 1:14
